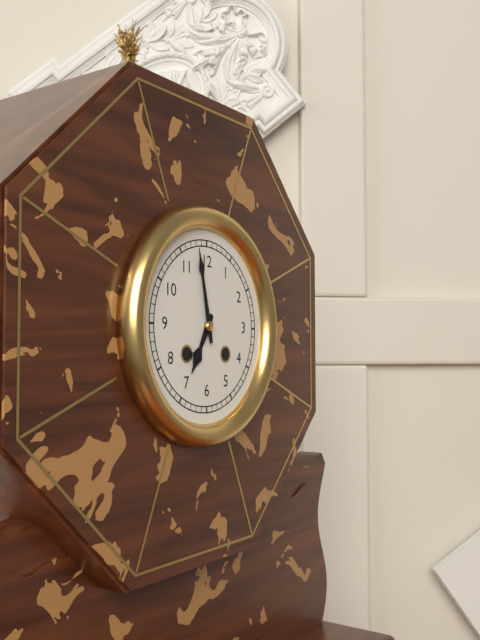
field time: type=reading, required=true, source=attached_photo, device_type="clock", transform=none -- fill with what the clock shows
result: 6:58
